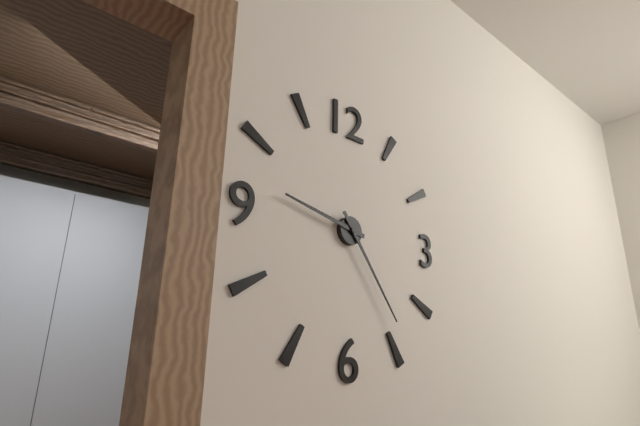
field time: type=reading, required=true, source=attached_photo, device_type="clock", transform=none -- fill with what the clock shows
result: 9:24
